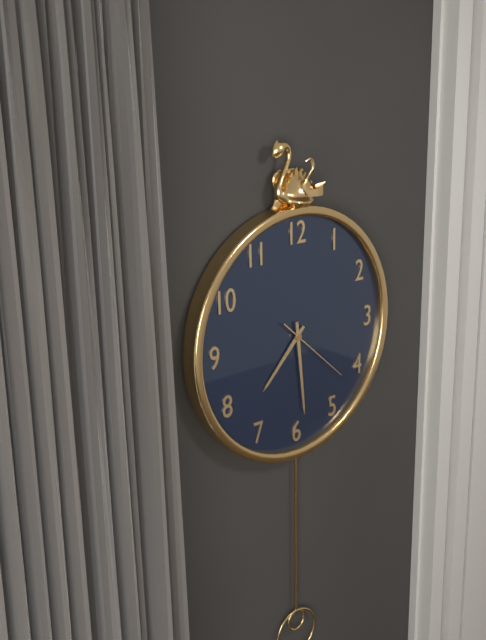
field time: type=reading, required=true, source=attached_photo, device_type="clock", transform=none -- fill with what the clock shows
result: 7:29:22
